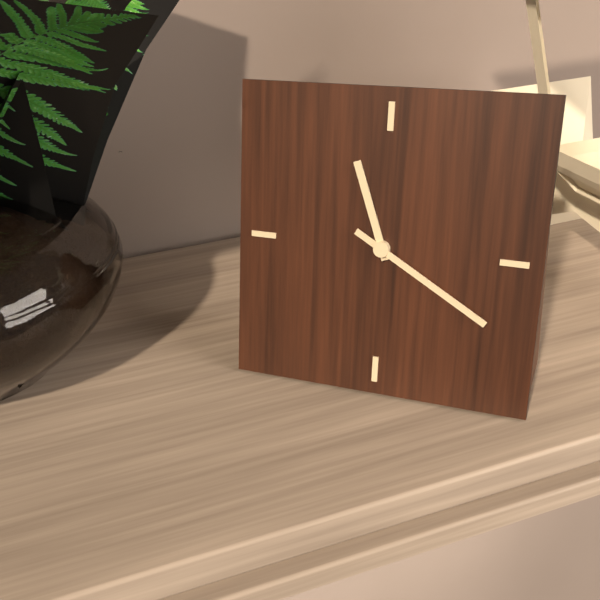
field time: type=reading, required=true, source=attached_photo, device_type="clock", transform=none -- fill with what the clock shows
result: 11:20
